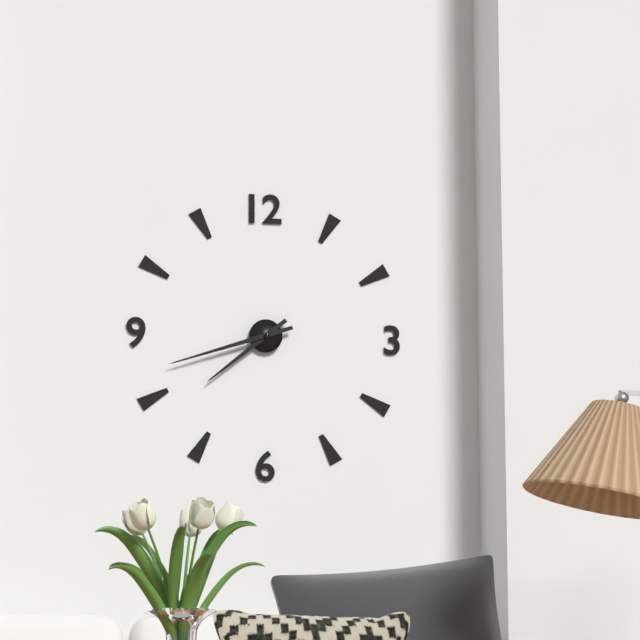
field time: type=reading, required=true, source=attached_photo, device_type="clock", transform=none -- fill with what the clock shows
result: 7:42
